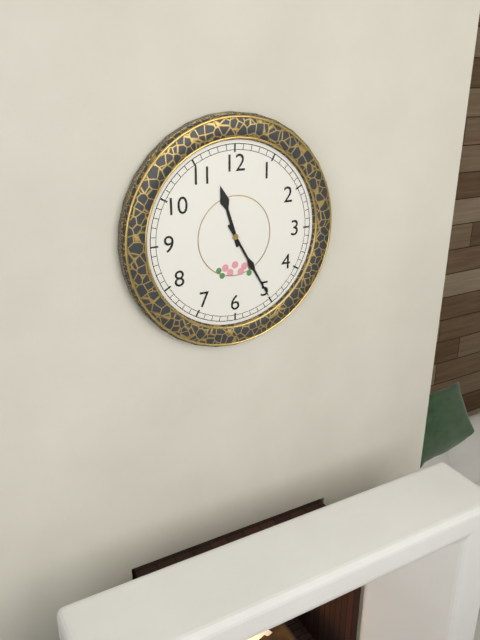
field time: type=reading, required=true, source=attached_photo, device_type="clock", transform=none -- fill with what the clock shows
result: 11:25
